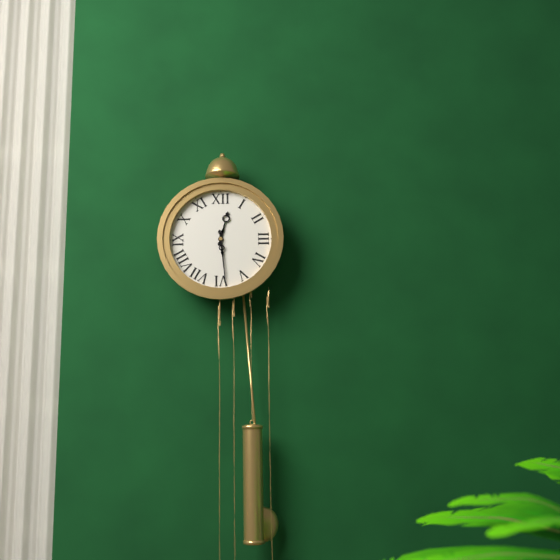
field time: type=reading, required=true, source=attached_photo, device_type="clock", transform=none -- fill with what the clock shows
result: 12:29
